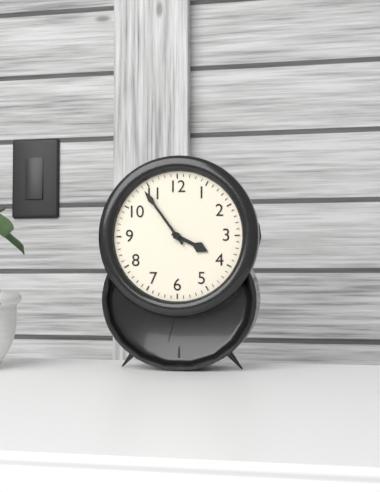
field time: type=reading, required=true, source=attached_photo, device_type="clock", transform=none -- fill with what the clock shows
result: 3:54
